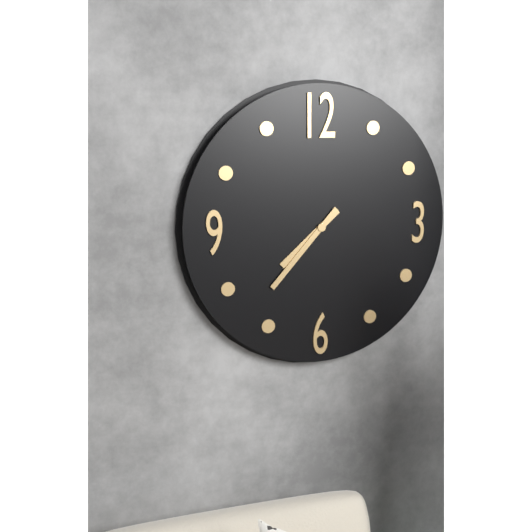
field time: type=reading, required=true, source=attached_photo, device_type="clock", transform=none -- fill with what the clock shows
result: 7:37
